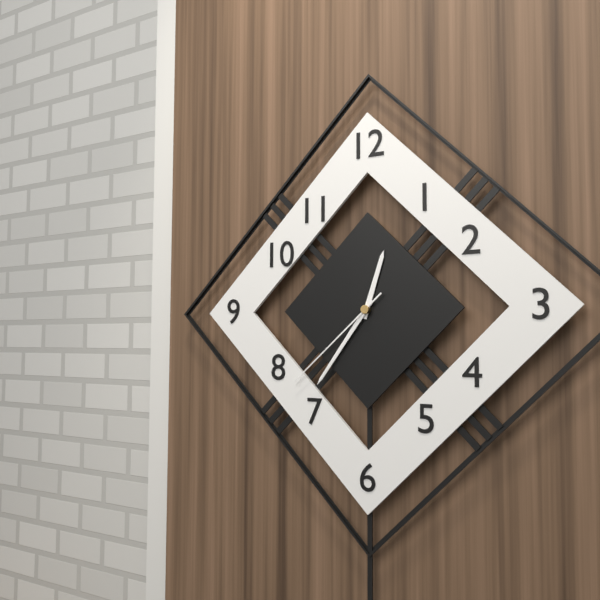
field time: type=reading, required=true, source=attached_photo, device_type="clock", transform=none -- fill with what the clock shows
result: 12:36:38
